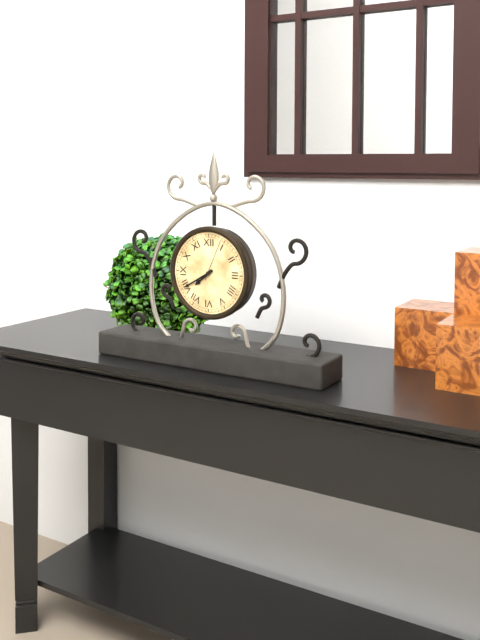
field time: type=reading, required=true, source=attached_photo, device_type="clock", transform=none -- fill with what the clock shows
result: 7:40
